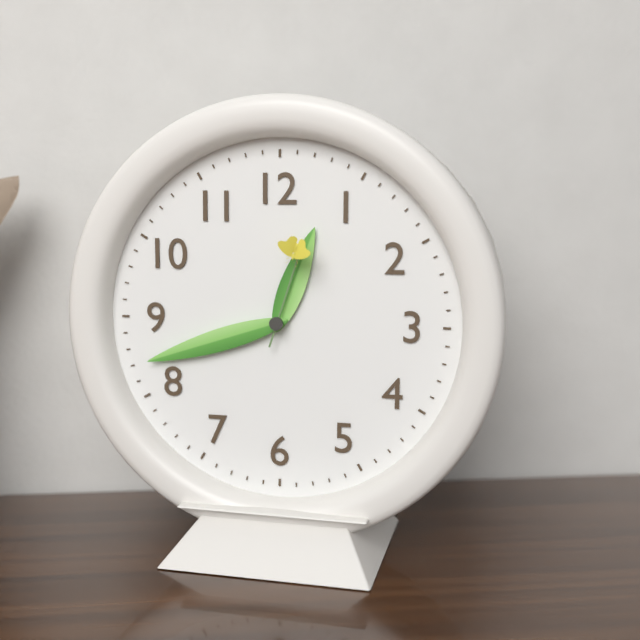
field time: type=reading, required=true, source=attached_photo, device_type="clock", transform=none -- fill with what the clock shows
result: 12:42:03
